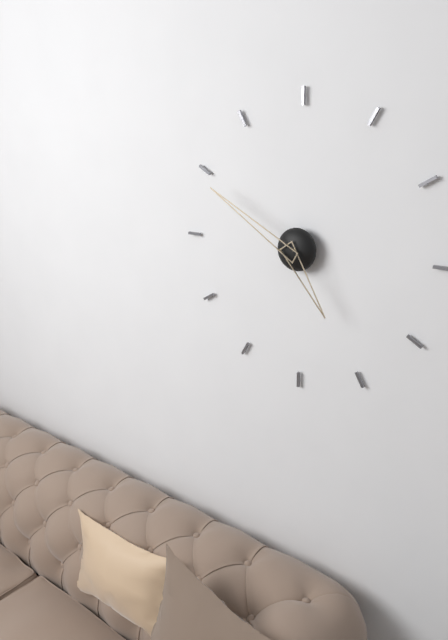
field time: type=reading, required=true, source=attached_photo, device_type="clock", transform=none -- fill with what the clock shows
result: 4:50
